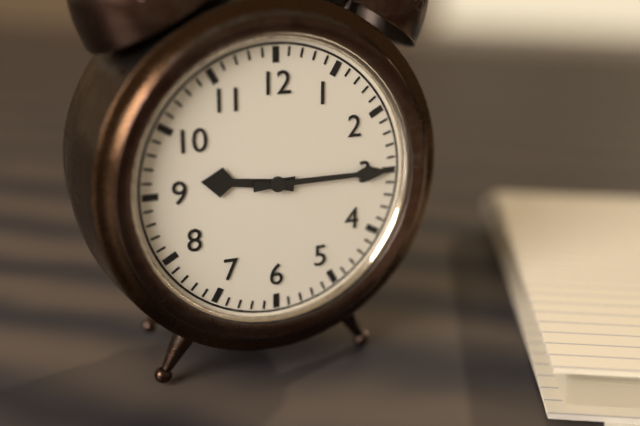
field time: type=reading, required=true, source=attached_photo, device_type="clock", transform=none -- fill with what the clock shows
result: 9:15
